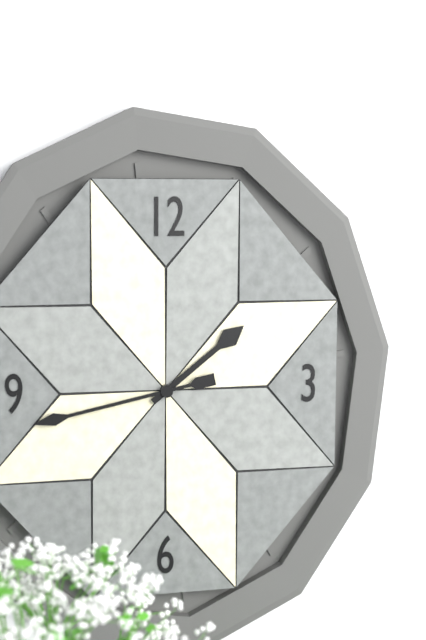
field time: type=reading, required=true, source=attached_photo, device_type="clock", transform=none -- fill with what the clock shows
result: 1:43
